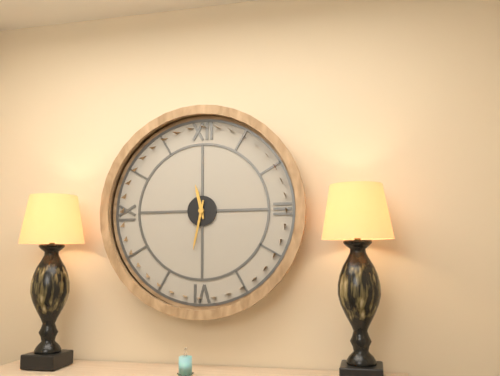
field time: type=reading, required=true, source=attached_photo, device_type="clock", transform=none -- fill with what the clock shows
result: 11:32
